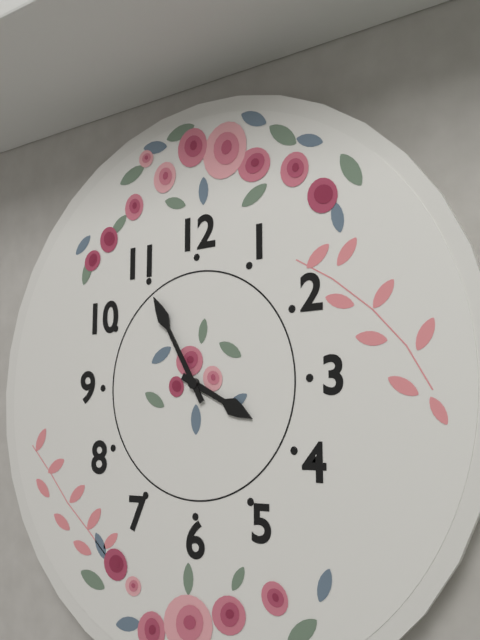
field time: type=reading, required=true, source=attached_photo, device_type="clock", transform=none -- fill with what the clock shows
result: 3:55
